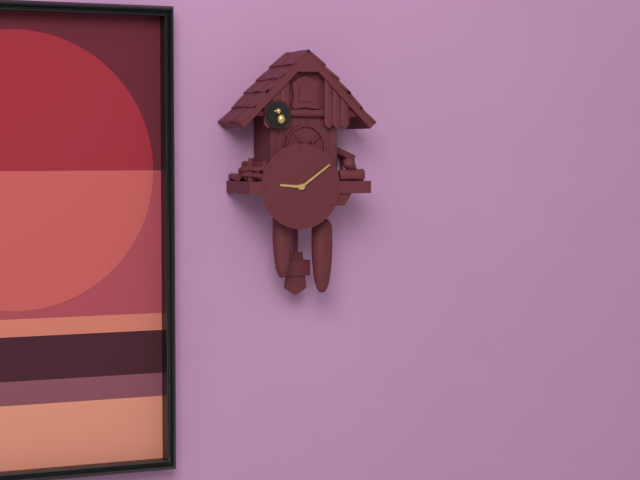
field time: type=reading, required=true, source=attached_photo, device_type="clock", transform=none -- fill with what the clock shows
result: 9:09
